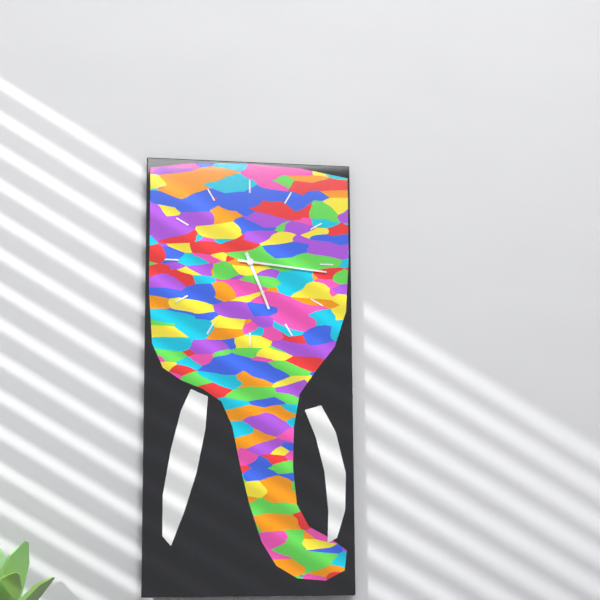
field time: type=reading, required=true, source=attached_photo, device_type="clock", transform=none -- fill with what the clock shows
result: 5:16
